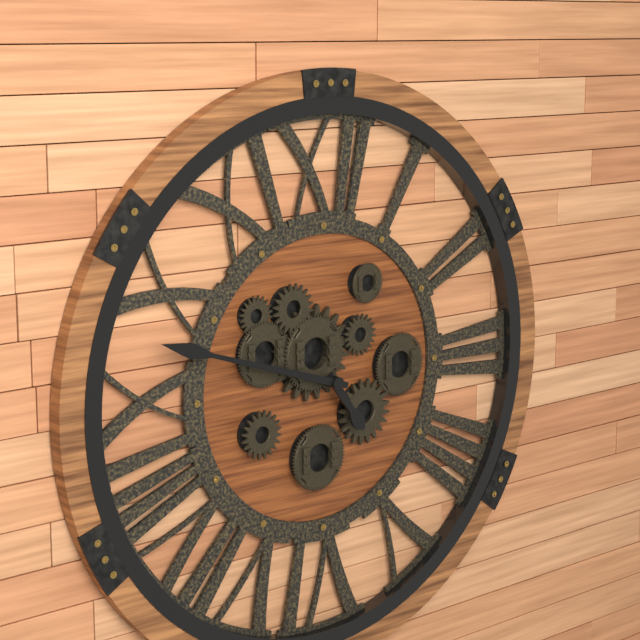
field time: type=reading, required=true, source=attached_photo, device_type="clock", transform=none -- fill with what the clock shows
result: 4:48
